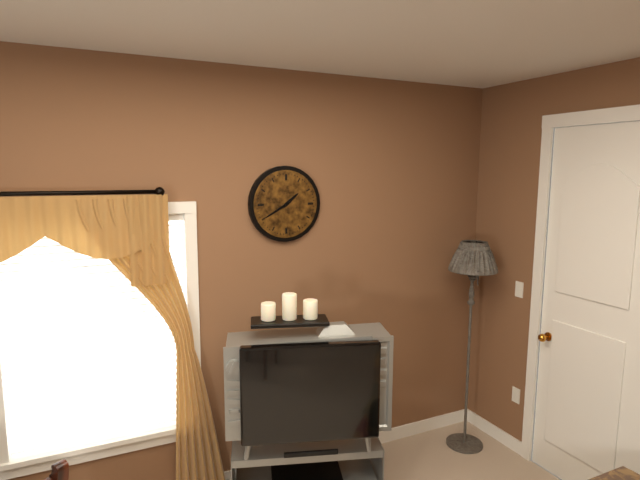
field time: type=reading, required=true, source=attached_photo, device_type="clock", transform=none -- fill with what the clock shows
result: 1:40
